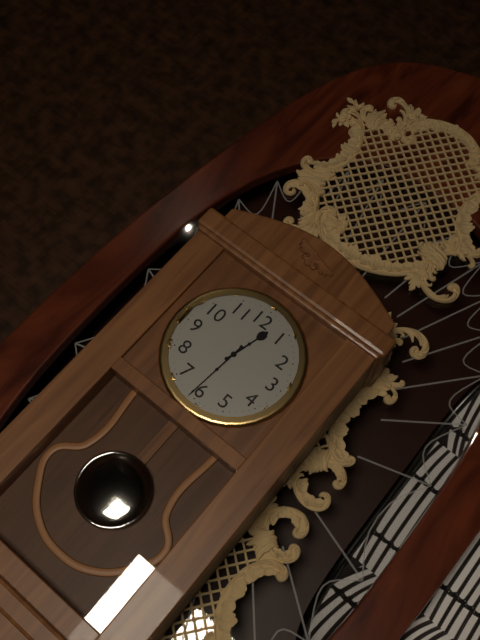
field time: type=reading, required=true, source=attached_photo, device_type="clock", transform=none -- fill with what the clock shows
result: 12:31
